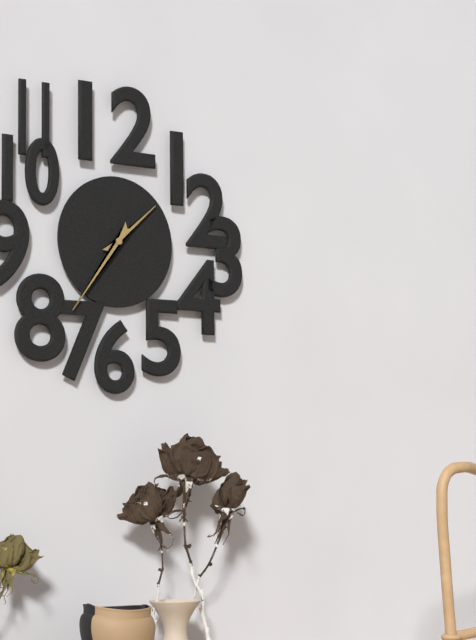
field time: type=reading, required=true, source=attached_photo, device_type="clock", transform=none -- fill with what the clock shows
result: 1:36
